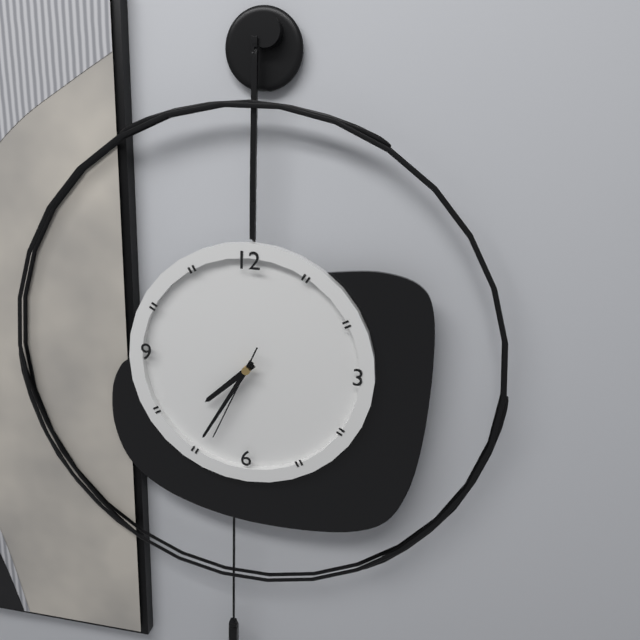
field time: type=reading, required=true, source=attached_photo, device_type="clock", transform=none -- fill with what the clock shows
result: 7:35:34
